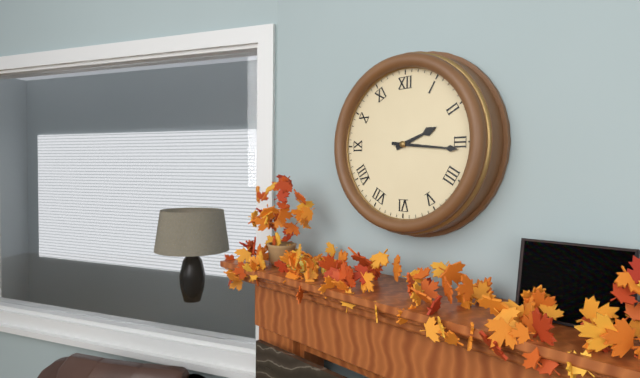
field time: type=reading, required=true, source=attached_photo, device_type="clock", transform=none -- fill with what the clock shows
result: 2:16
